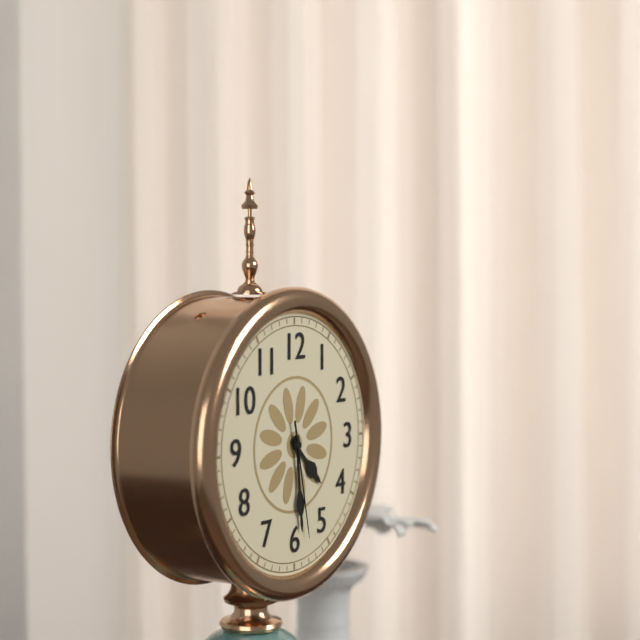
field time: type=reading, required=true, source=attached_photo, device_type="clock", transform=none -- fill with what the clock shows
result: 4:29:28
